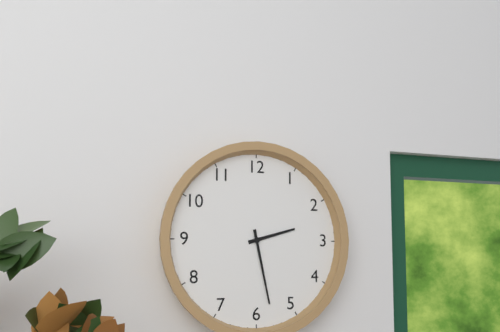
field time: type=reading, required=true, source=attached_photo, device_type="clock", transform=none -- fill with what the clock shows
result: 2:28
